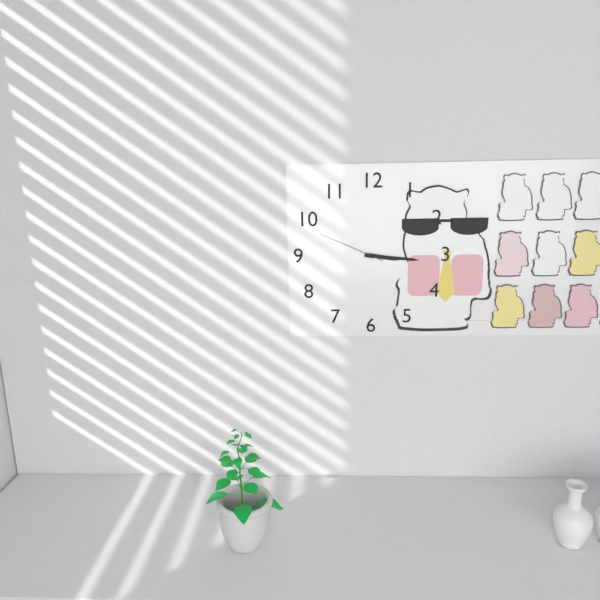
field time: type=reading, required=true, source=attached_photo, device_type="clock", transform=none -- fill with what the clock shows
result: 3:16:49
